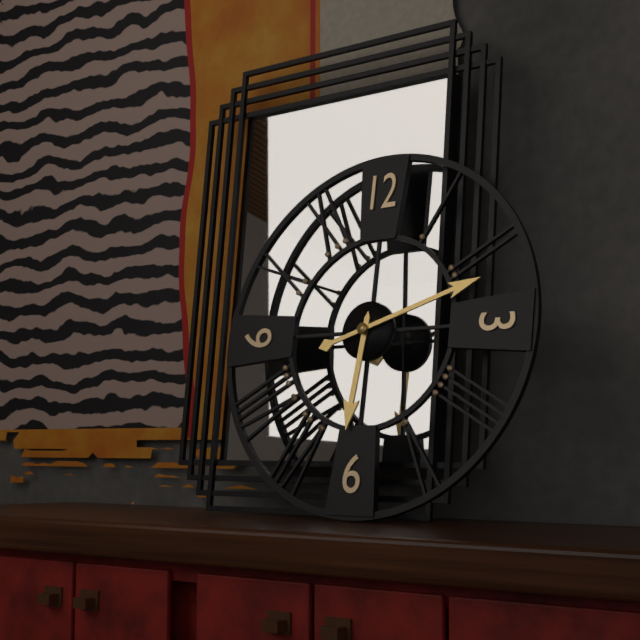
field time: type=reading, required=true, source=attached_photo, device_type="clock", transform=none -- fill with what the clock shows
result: 6:12
